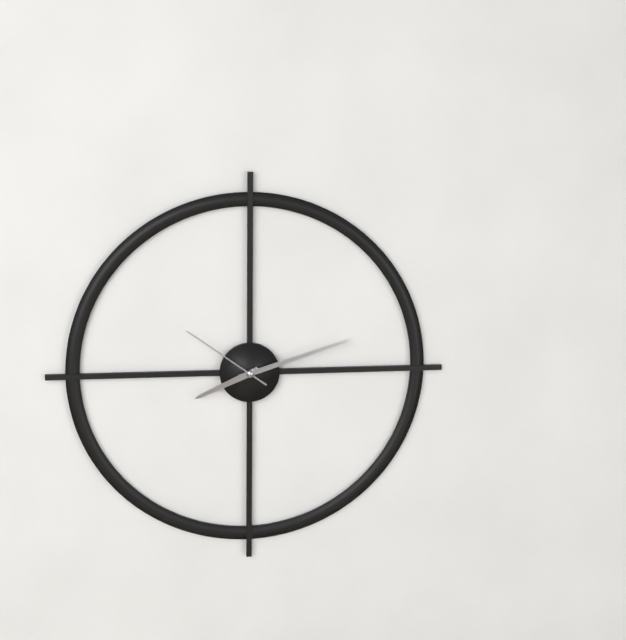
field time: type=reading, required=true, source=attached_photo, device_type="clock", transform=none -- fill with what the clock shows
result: 8:12:51
